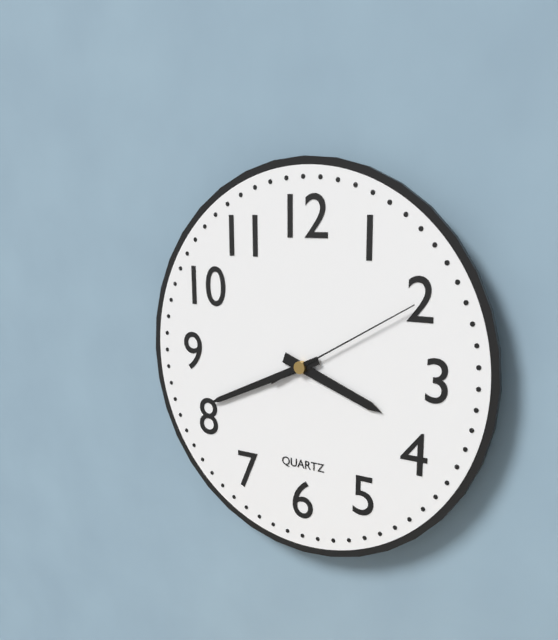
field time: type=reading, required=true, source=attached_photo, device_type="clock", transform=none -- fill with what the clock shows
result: 3:41:10
